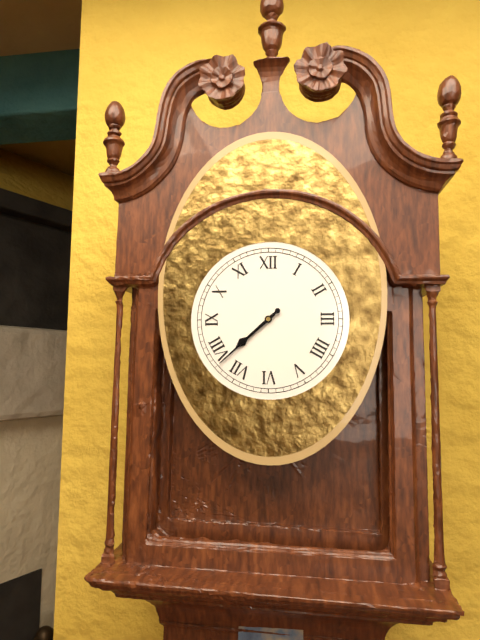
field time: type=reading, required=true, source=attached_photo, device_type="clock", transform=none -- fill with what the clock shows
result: 7:38
